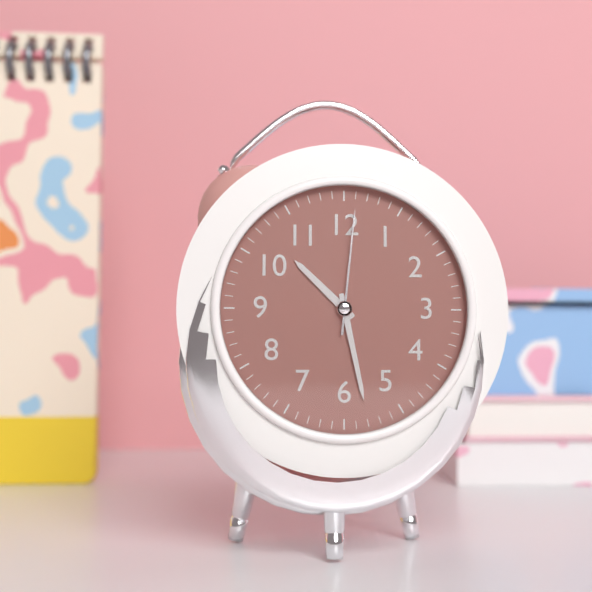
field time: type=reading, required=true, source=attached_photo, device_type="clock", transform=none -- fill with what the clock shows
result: 10:28:01
